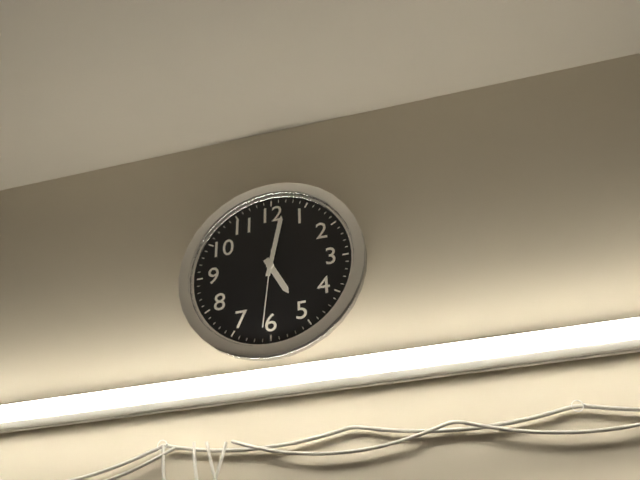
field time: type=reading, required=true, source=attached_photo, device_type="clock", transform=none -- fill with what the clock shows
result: 5:02:31
